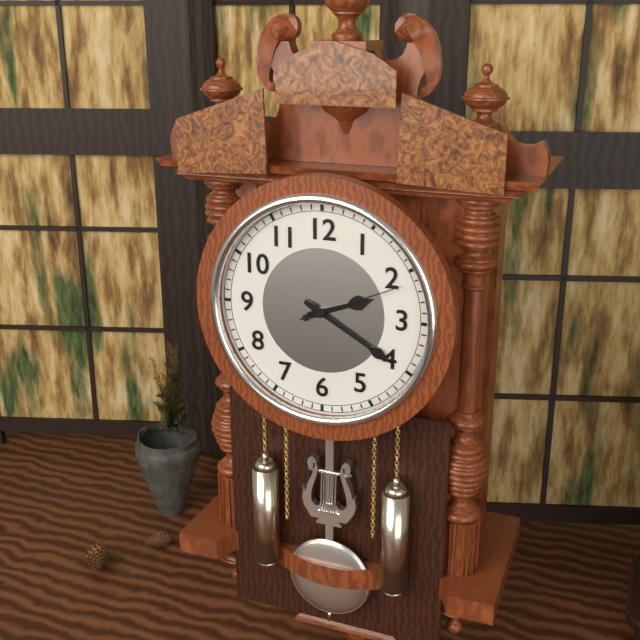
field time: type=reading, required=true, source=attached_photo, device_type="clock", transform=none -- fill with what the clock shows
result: 2:20:11
